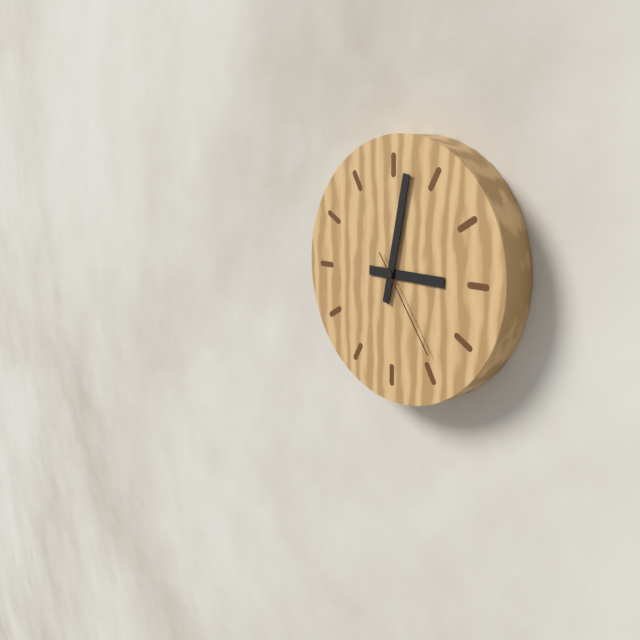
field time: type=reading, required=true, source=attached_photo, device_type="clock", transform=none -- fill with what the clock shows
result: 3:02:24
